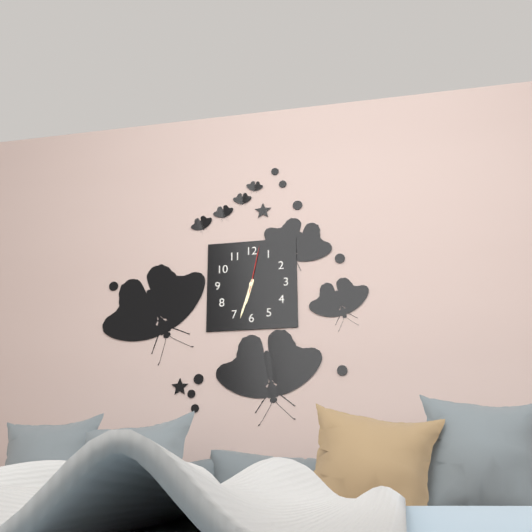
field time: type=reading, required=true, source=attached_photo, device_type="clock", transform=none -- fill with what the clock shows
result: 6:33
